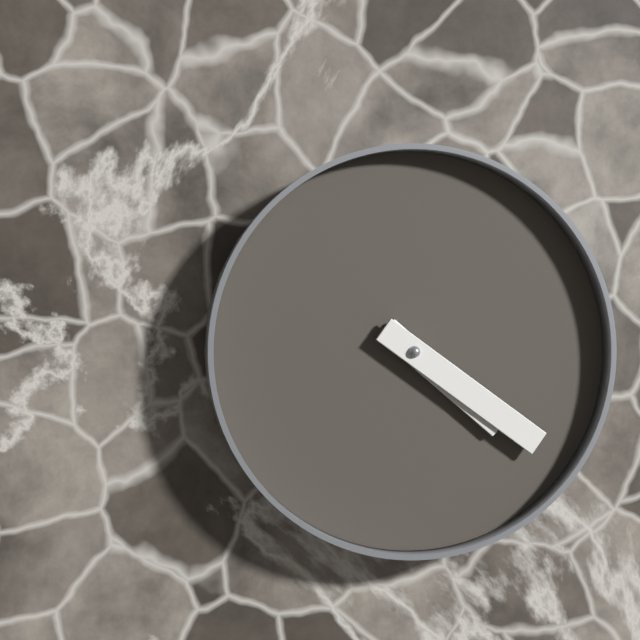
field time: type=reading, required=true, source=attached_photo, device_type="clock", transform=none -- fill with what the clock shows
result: 4:21
